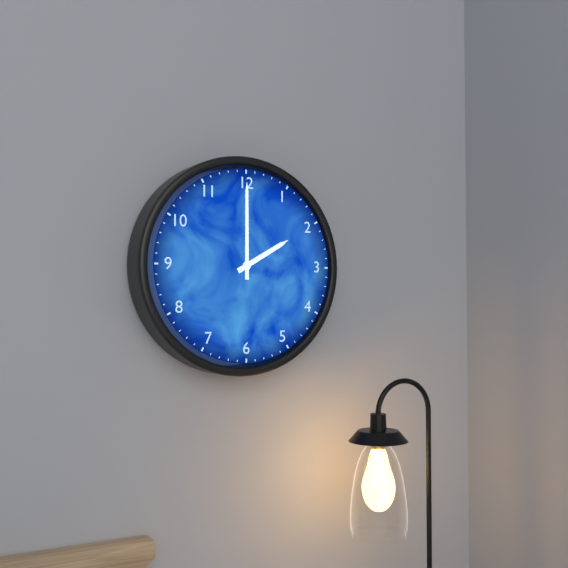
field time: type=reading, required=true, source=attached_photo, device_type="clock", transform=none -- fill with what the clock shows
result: 2:00
